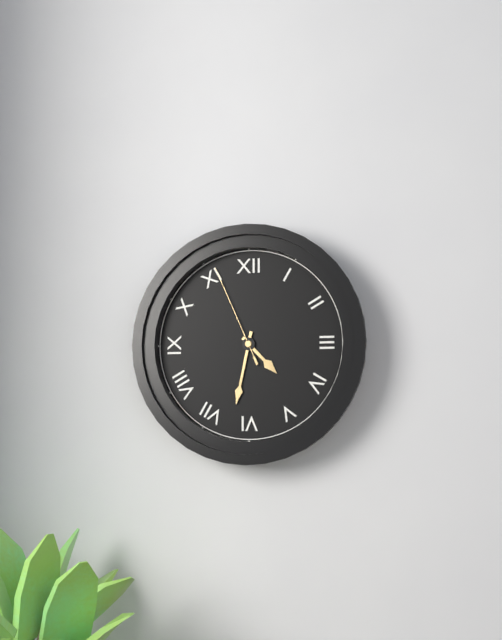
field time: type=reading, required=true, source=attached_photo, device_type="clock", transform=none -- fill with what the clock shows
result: 4:32:56
